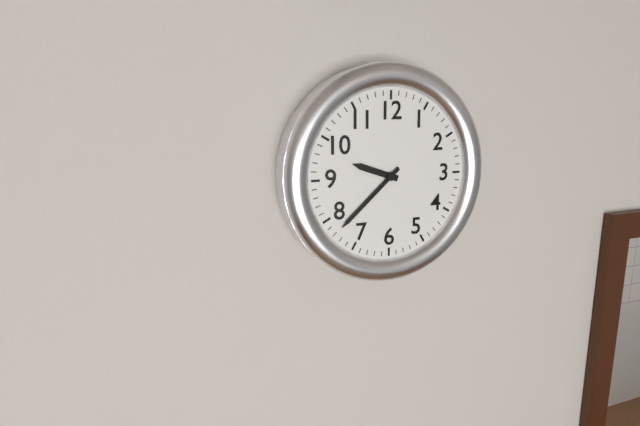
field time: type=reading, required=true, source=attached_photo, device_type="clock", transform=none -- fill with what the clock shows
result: 9:38
